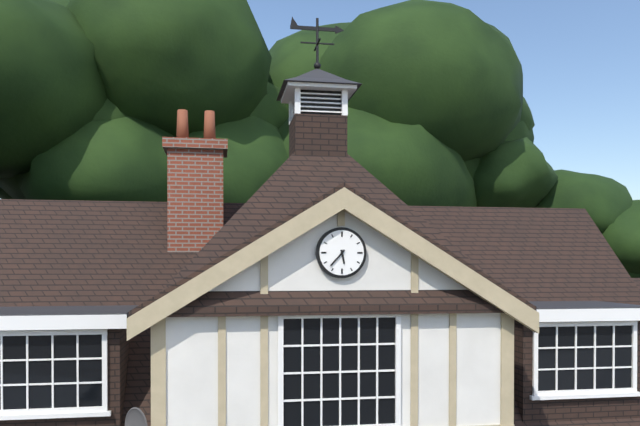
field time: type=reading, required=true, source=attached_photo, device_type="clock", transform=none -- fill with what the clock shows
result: 5:37
